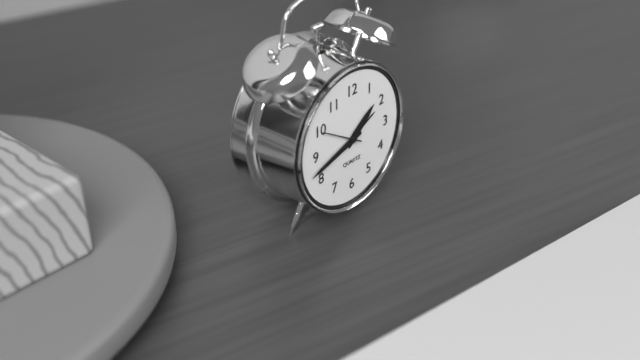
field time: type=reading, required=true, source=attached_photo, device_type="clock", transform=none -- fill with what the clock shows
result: 1:42
